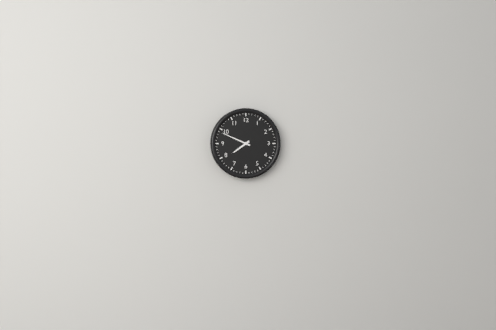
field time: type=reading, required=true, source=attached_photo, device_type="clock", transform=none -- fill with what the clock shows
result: 7:49
